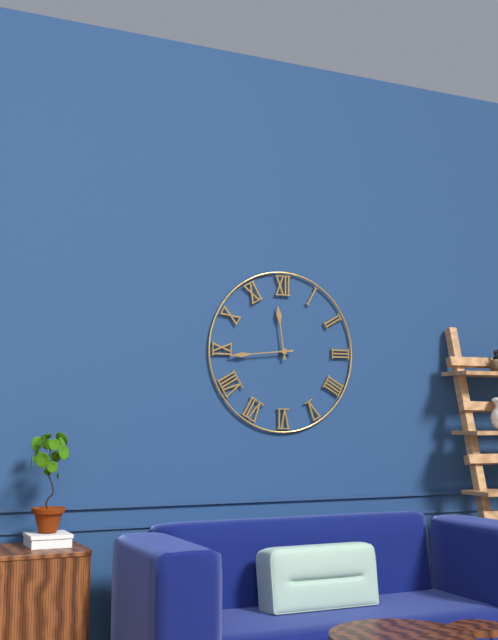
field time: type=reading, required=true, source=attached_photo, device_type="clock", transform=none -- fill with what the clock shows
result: 11:44
